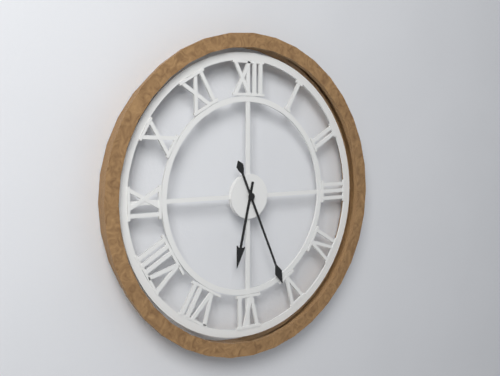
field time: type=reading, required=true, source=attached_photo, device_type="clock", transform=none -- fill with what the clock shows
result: 6:26
